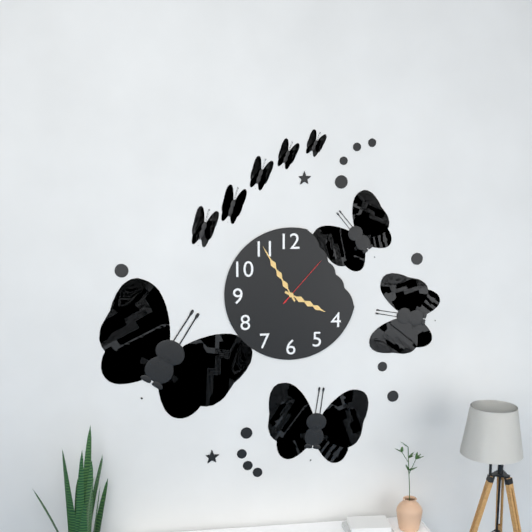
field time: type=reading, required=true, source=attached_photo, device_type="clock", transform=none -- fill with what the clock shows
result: 3:55:07
